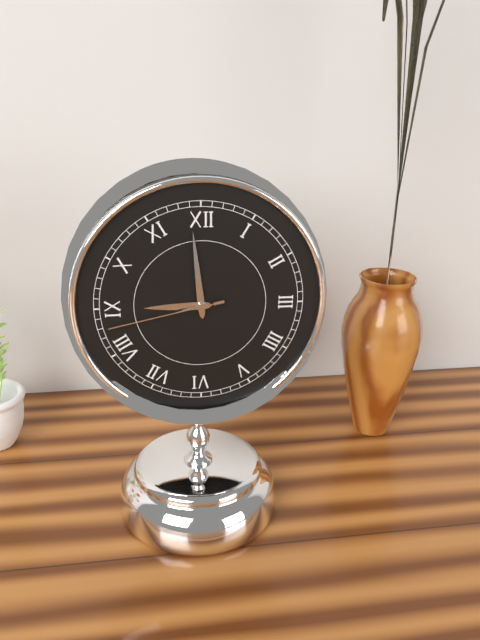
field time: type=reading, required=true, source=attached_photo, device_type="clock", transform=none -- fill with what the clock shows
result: 8:59:43
